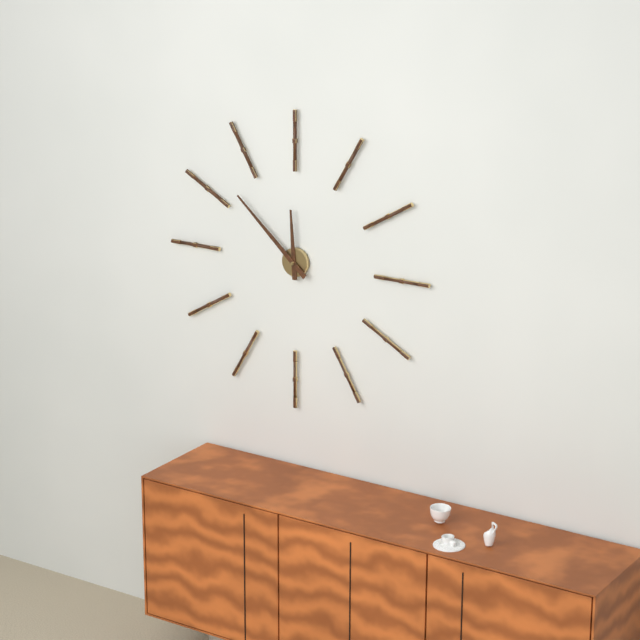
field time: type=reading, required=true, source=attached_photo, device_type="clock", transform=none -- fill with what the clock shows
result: 11:52
